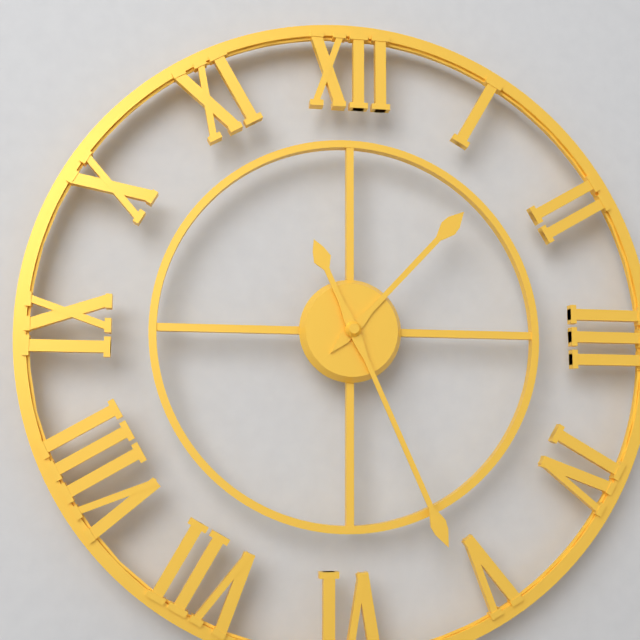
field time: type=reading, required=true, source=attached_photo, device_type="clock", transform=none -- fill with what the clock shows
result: 1:26
